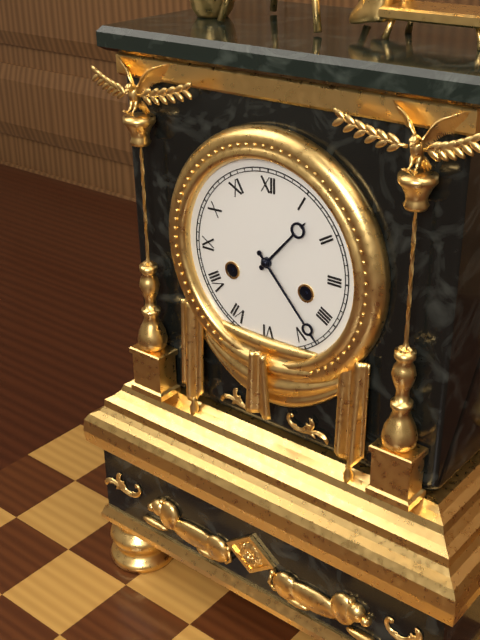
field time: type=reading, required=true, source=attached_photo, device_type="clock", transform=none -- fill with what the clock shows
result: 1:23
